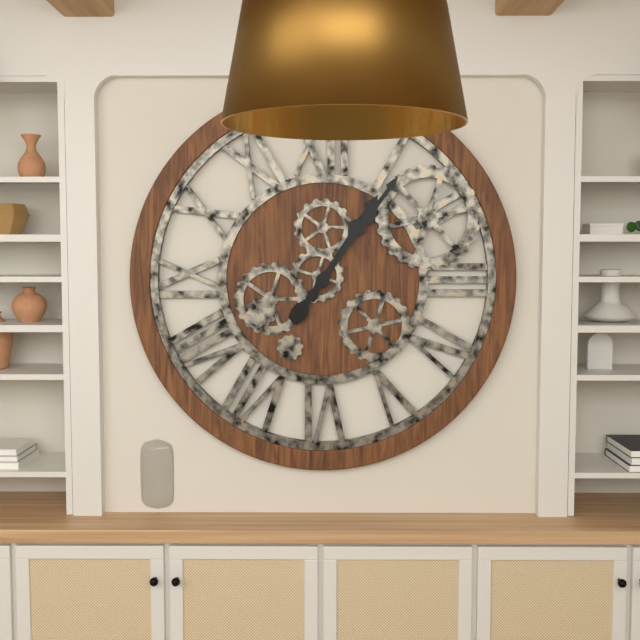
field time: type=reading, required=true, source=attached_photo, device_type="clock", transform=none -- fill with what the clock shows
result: 1:06
